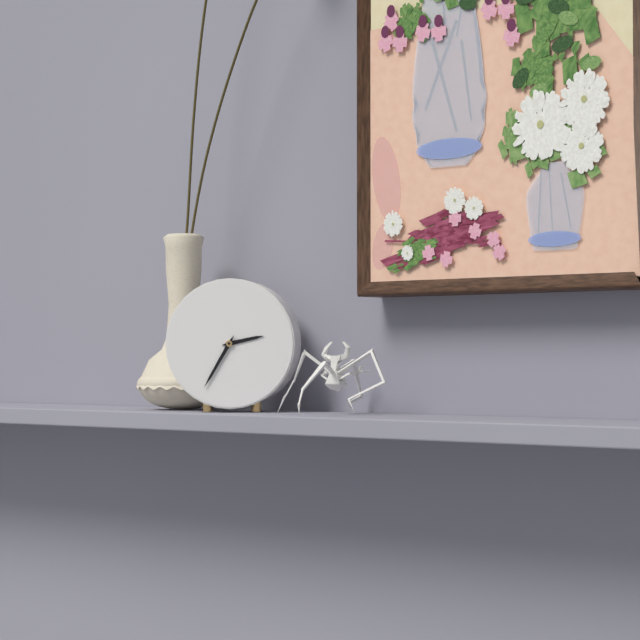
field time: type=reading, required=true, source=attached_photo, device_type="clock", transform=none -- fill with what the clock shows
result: 2:35
